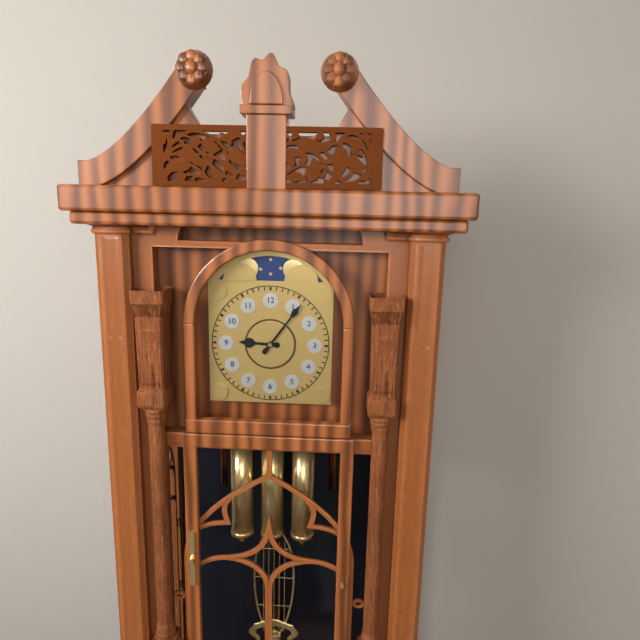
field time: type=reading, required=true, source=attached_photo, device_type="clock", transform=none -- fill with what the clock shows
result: 9:06
